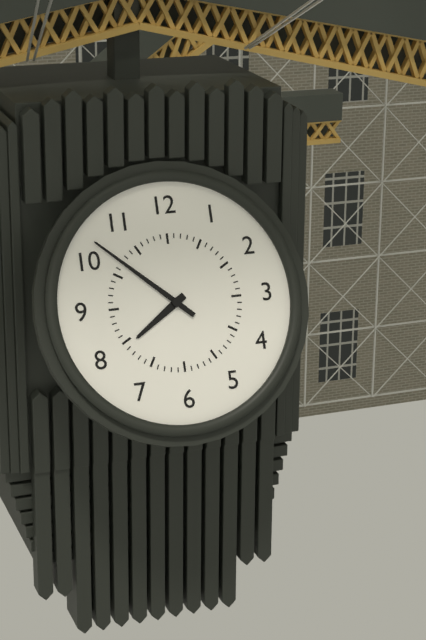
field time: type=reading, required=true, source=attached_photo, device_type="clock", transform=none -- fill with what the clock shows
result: 7:52
